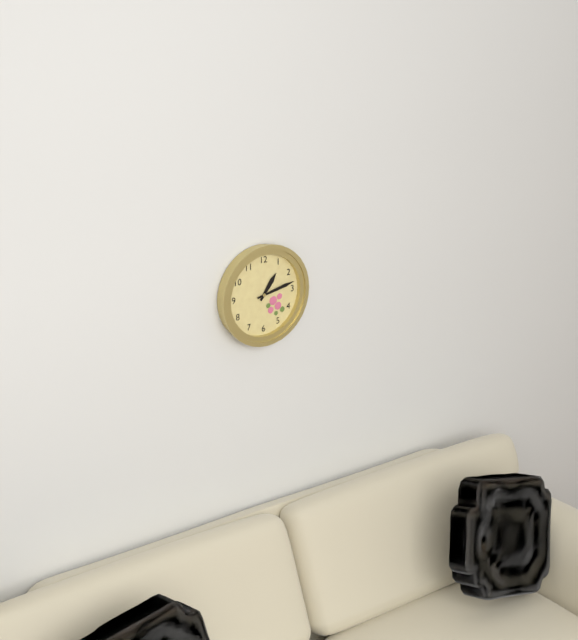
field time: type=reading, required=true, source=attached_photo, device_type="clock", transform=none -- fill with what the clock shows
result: 1:13
